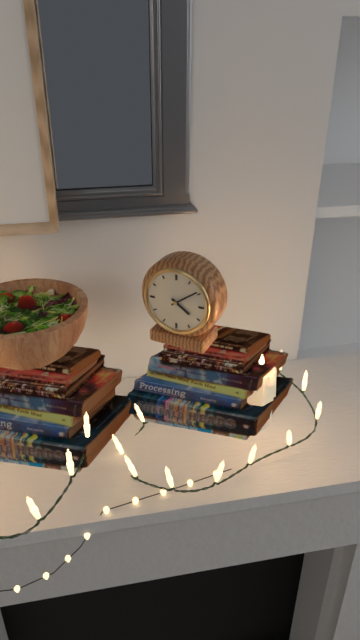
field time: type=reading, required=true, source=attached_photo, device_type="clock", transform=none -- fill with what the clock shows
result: 4:09
